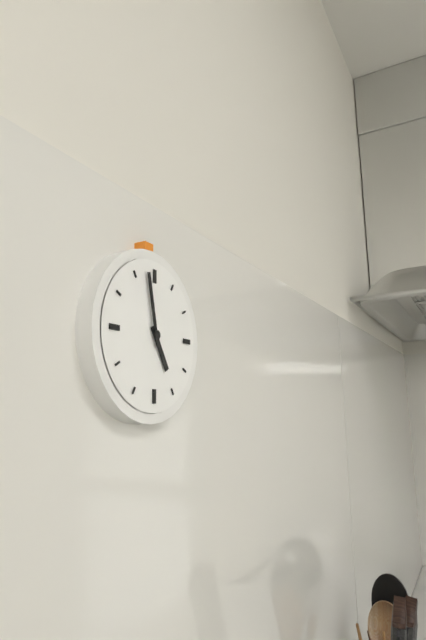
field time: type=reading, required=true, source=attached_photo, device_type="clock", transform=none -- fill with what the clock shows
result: 4:58
